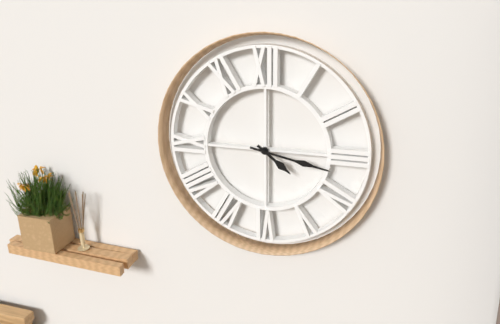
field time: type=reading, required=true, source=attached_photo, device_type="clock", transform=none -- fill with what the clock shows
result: 4:17
